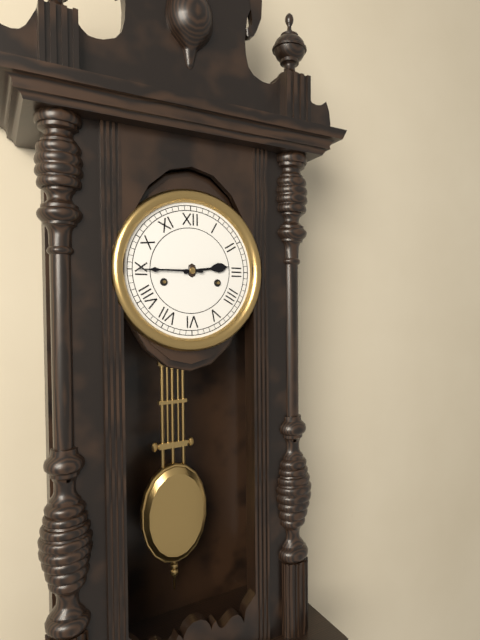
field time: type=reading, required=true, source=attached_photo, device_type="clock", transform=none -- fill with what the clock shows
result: 2:45
